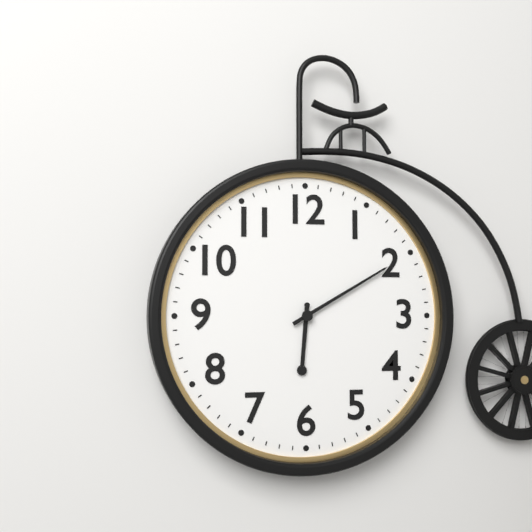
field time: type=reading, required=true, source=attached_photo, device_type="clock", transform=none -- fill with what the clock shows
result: 6:10
